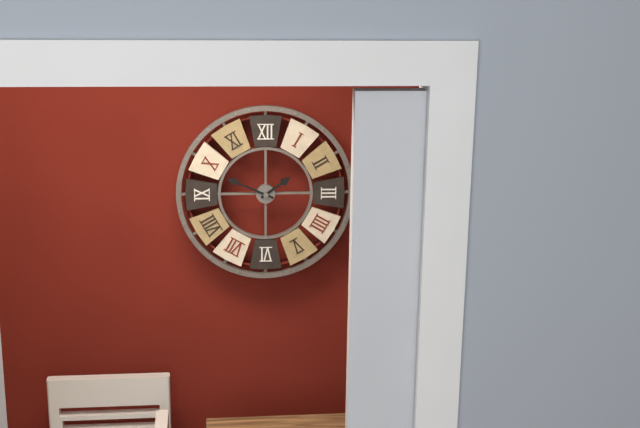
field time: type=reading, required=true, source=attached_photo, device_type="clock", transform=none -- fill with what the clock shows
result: 1:49
